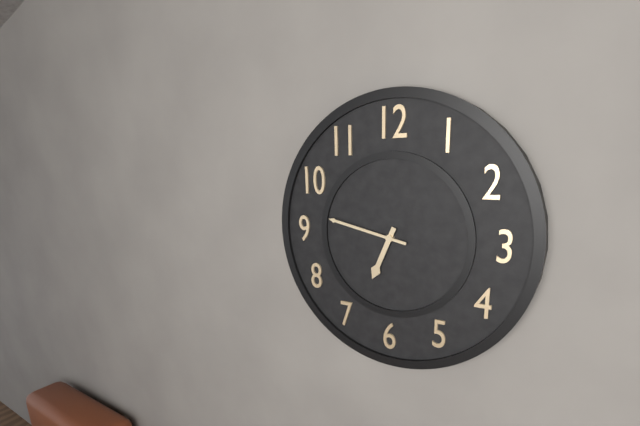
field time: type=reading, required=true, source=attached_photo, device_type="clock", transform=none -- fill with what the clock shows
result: 6:47
